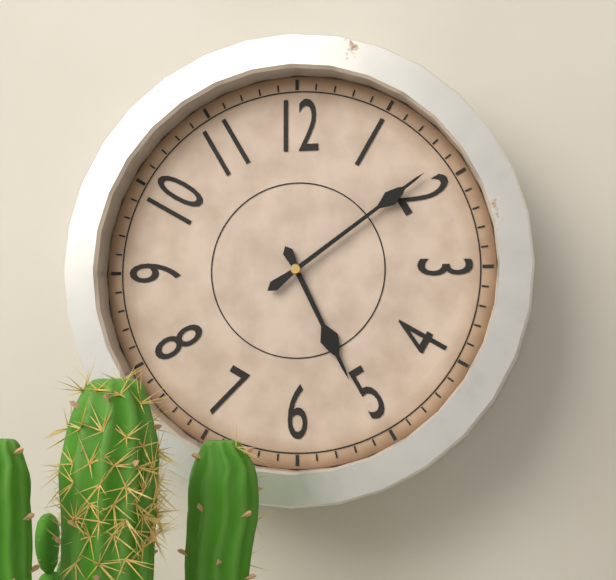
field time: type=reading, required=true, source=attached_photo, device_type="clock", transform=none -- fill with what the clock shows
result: 5:09
